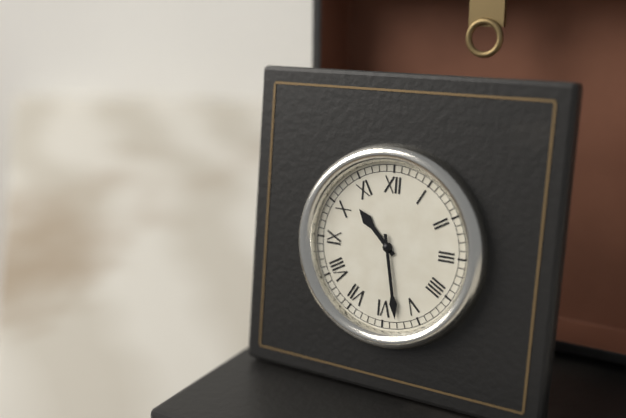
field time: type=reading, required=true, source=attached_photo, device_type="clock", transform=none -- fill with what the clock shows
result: 10:28
